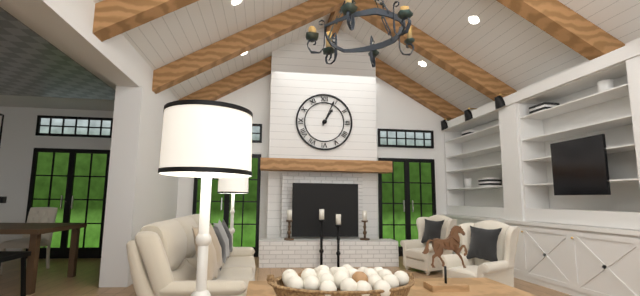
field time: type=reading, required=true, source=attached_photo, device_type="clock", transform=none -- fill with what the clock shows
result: 1:04
